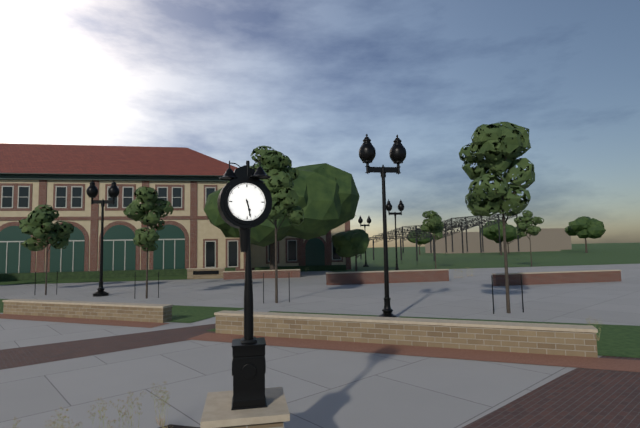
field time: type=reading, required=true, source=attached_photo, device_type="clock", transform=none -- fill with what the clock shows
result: 5:28
